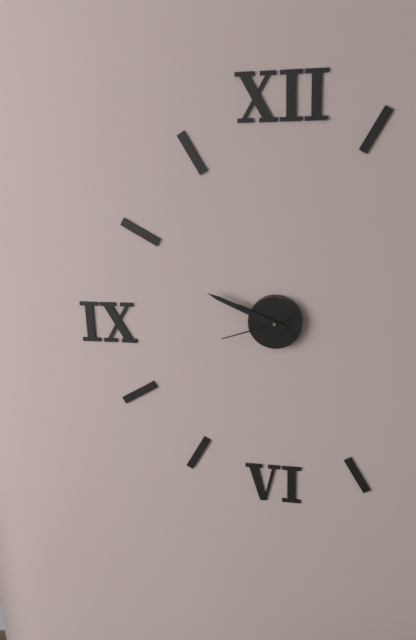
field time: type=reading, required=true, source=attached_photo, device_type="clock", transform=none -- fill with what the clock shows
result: 9:49:42
